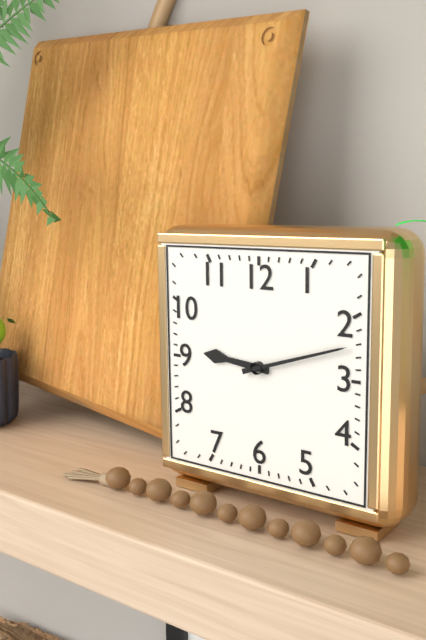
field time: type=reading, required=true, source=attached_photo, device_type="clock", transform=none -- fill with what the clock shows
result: 9:12
